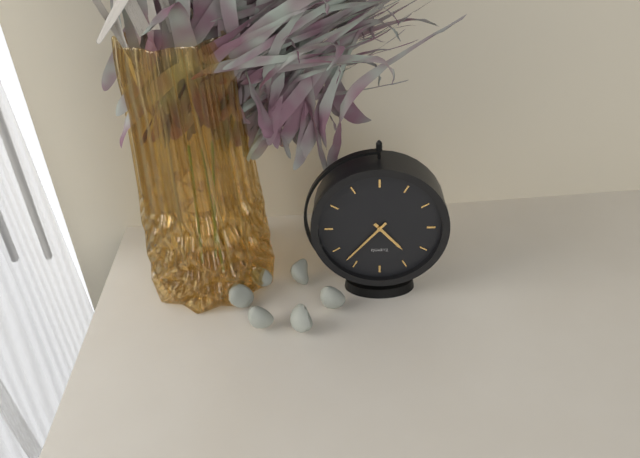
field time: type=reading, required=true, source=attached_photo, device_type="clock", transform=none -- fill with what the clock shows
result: 4:37
